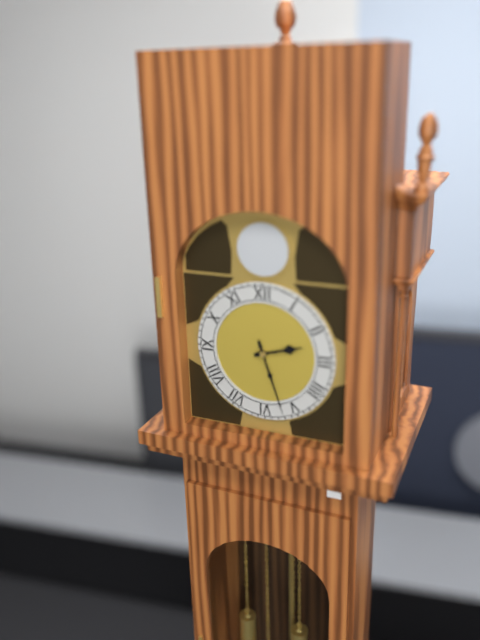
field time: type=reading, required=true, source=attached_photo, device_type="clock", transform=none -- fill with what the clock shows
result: 2:27
